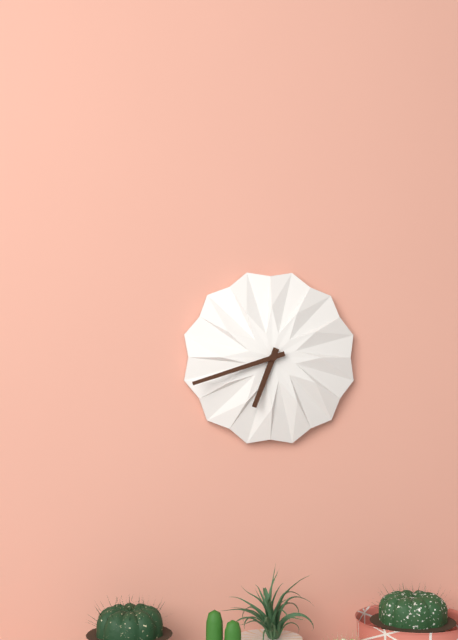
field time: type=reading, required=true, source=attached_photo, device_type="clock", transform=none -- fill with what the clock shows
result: 6:42
